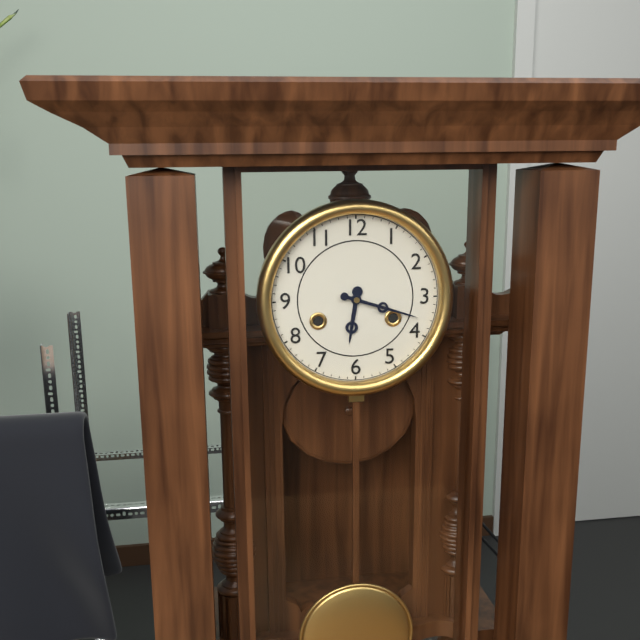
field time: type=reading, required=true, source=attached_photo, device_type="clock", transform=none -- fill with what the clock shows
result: 6:18
